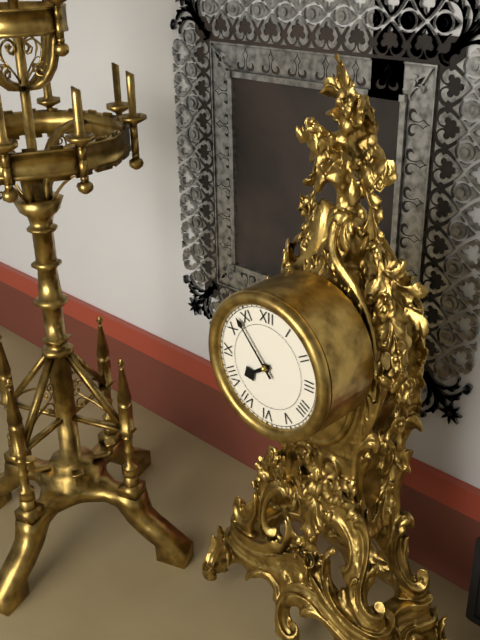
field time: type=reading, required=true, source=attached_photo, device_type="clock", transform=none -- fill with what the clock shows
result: 7:53
